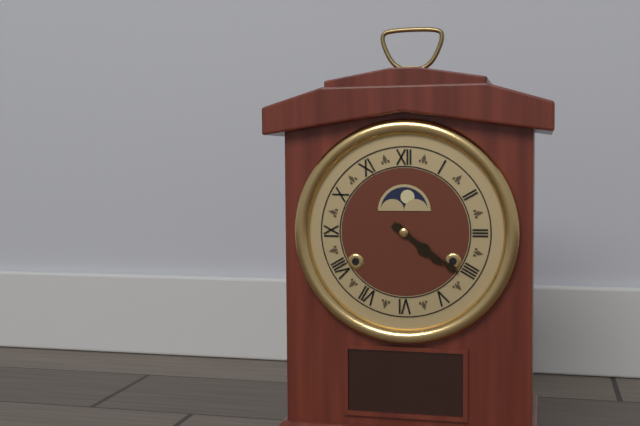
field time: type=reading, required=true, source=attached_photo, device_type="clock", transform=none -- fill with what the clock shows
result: 4:21
